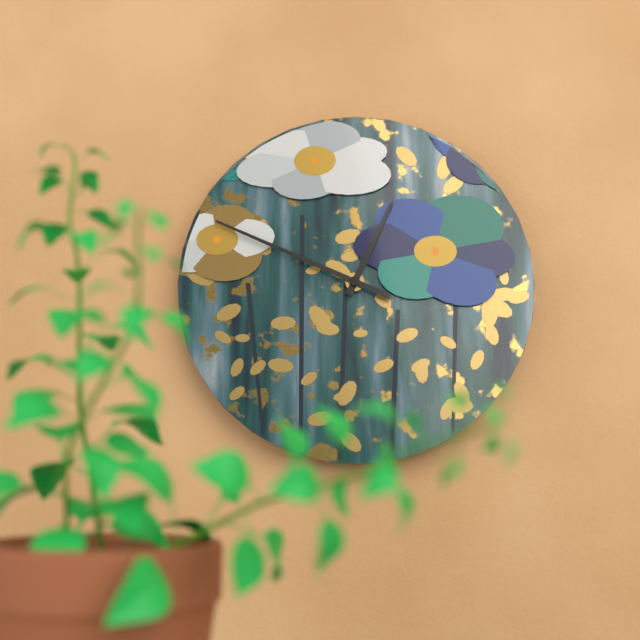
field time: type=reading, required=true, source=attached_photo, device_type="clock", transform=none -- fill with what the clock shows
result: 12:49
